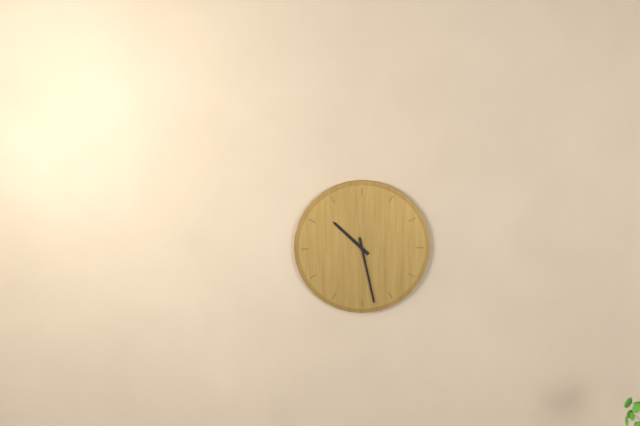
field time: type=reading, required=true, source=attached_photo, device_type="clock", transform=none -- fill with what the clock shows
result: 10:28
